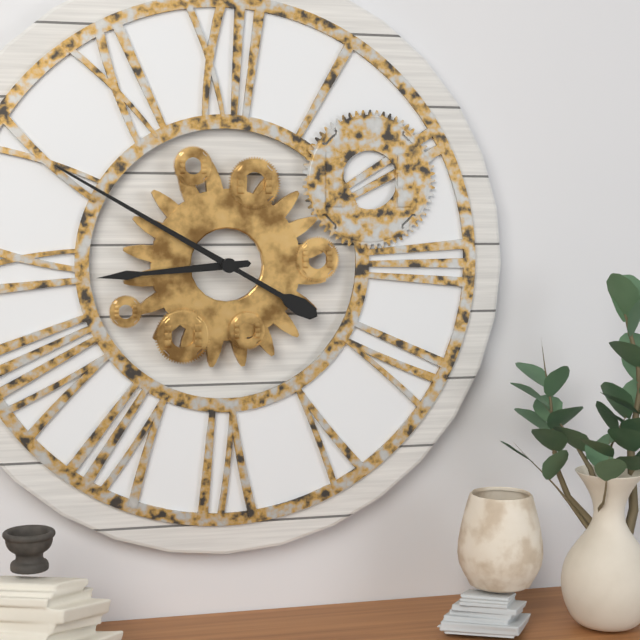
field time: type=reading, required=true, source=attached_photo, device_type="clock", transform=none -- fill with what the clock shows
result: 8:50
